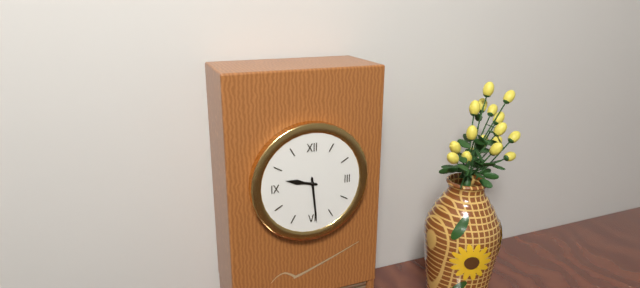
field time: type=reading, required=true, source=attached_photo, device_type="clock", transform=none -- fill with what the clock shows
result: 9:29
